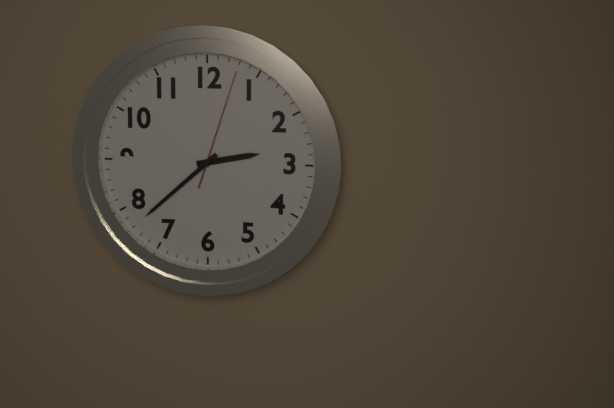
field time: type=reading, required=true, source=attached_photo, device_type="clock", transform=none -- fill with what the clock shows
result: 2:38:03
